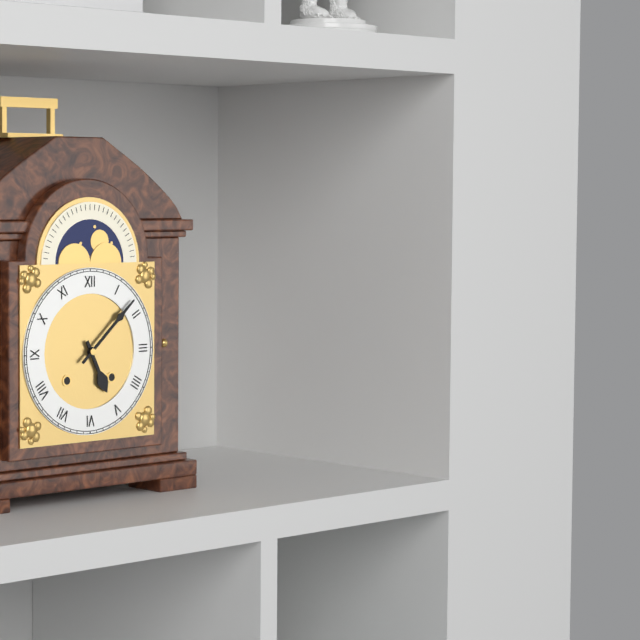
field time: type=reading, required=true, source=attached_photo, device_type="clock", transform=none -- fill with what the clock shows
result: 5:08
